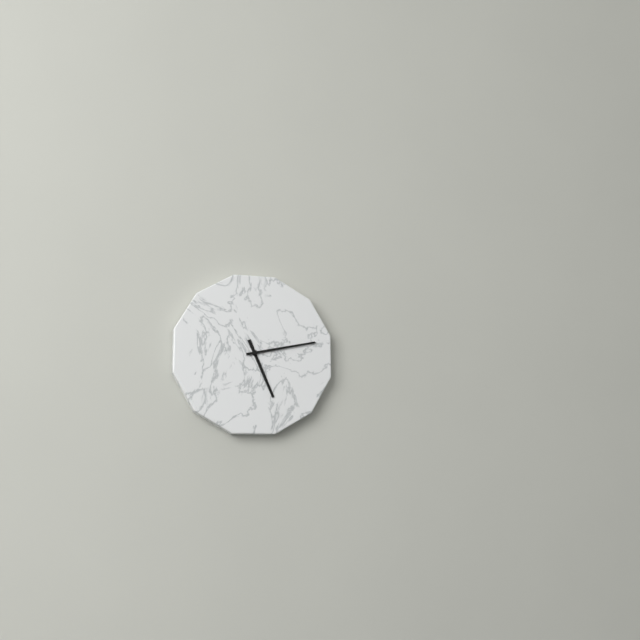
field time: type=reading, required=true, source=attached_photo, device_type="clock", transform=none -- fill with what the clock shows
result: 5:13
